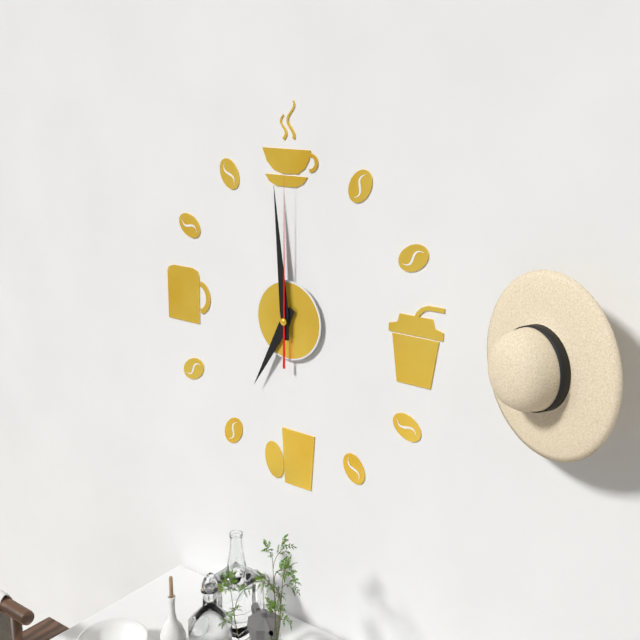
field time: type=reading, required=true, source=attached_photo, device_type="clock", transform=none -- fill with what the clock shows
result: 6:59:00
